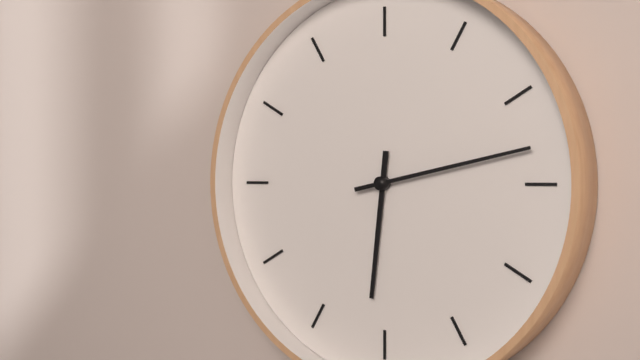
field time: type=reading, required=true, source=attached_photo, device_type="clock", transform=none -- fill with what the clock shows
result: 6:13
